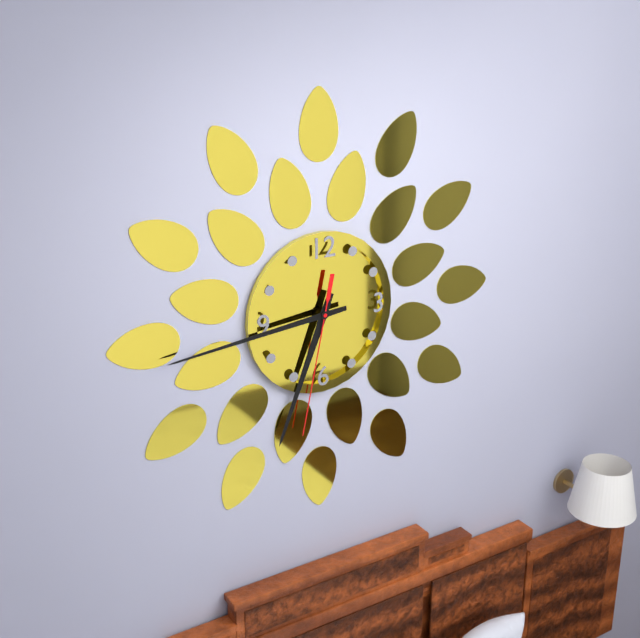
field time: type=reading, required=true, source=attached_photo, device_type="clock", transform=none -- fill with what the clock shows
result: 6:44:32
